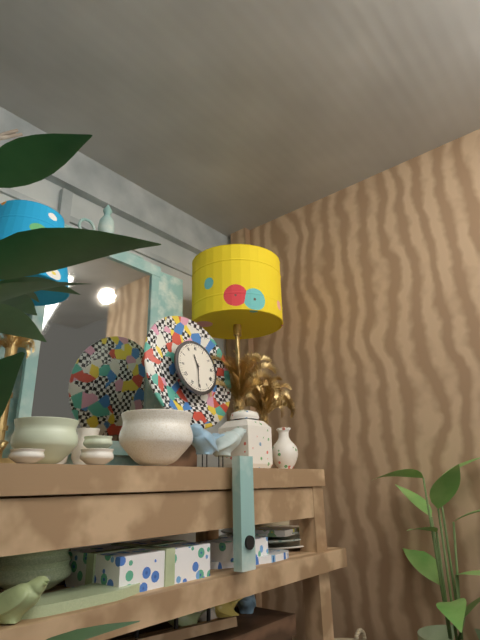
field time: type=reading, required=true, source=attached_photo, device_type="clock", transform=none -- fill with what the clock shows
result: 11:31
